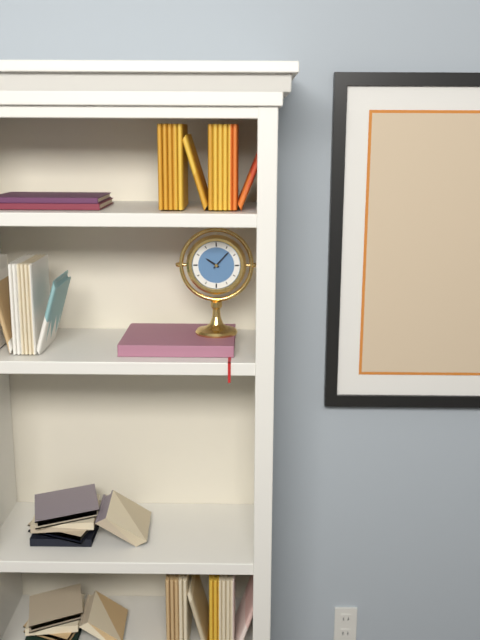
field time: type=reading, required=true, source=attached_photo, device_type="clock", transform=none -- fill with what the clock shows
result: 10:07
